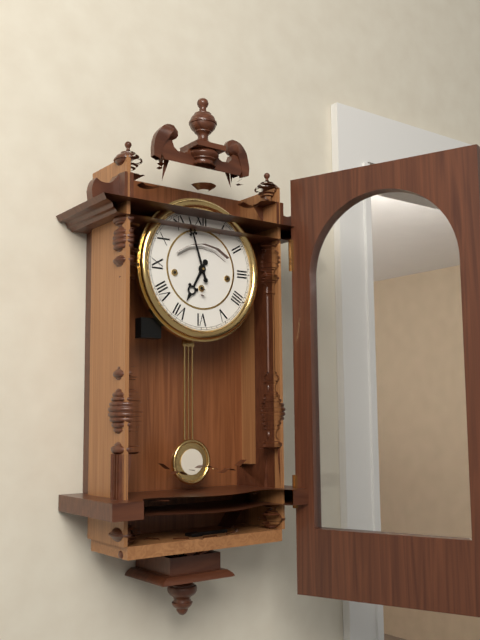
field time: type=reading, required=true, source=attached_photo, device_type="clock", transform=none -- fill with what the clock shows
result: 6:57
